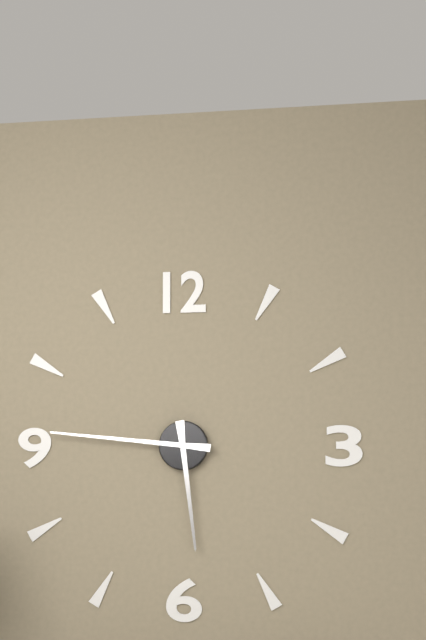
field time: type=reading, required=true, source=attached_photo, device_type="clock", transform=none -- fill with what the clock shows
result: 5:46
